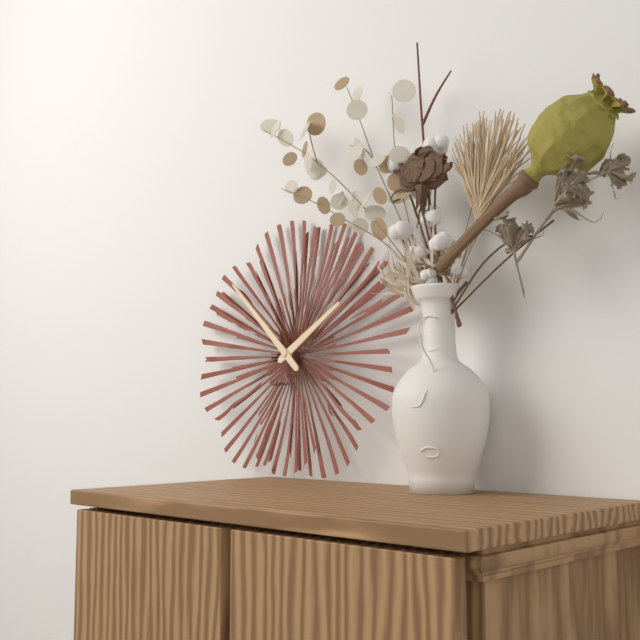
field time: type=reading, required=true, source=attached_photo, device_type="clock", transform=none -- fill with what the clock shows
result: 1:52
